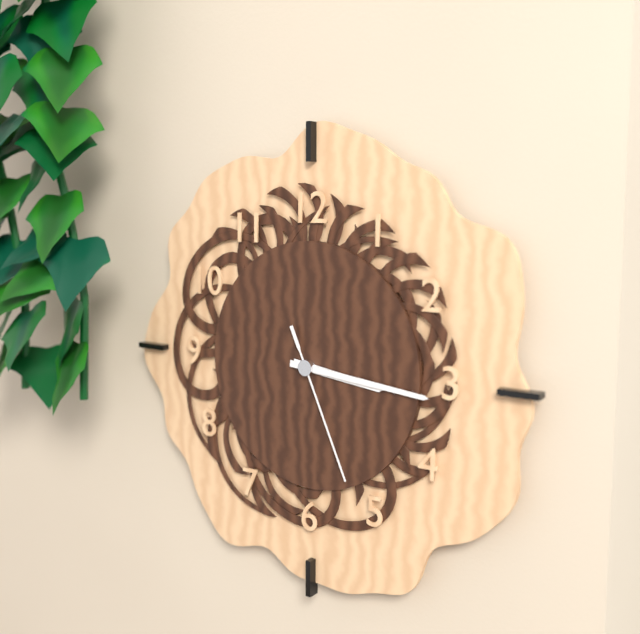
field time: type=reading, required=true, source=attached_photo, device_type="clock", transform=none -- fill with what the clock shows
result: 3:16:26
